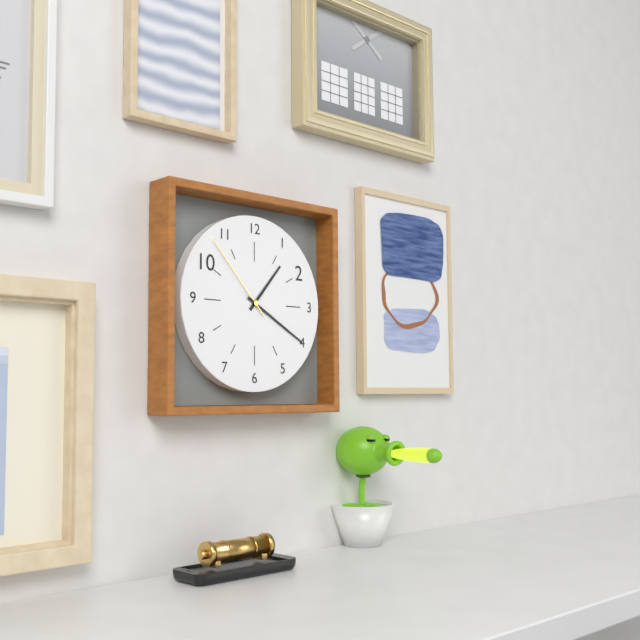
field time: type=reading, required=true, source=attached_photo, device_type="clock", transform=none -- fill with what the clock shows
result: 1:20:53
